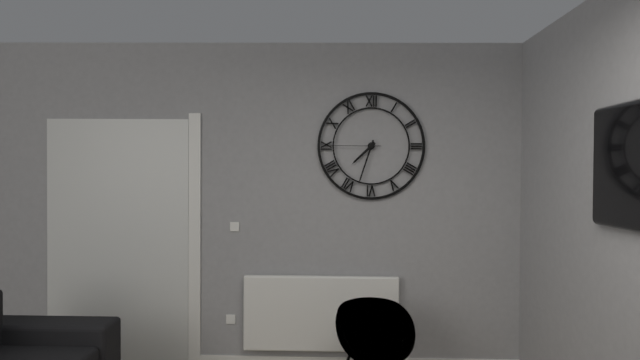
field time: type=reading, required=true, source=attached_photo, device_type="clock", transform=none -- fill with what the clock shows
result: 7:33:45
